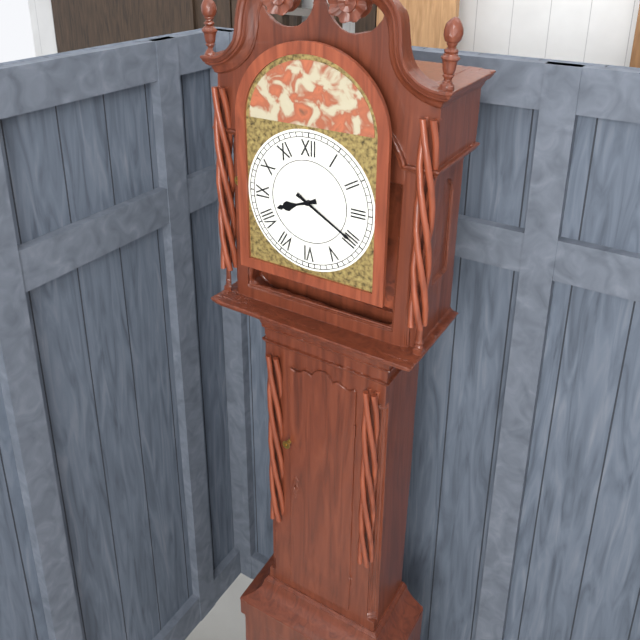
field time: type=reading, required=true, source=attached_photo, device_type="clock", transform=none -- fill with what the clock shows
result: 8:20
